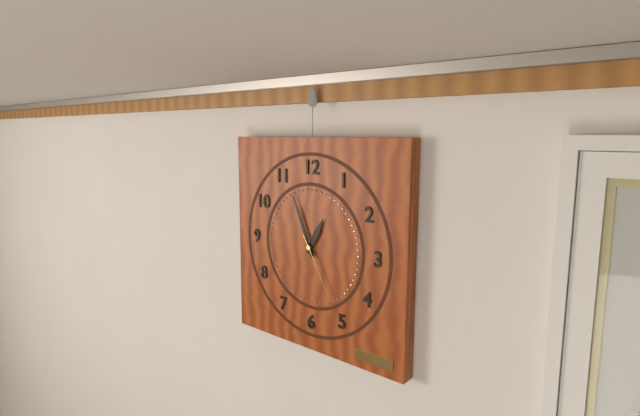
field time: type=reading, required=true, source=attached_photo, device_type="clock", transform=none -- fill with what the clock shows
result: 12:56:25
